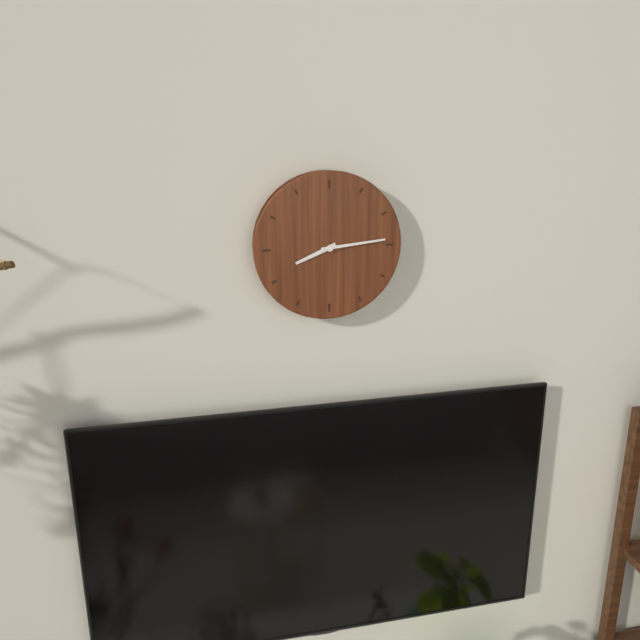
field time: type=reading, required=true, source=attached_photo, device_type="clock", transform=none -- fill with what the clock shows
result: 8:14
